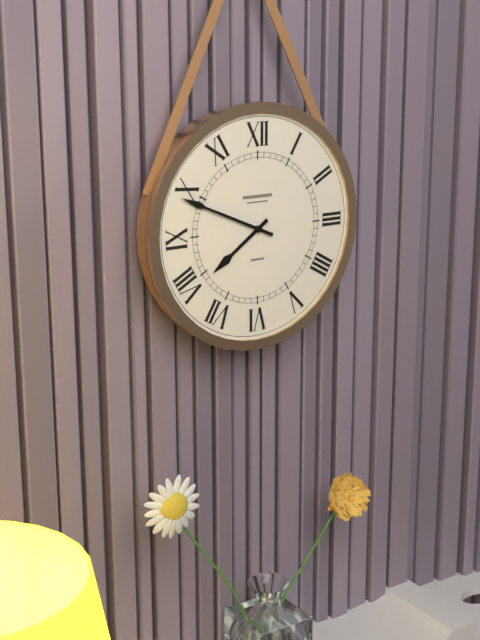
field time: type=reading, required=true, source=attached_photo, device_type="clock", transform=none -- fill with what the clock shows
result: 7:49
